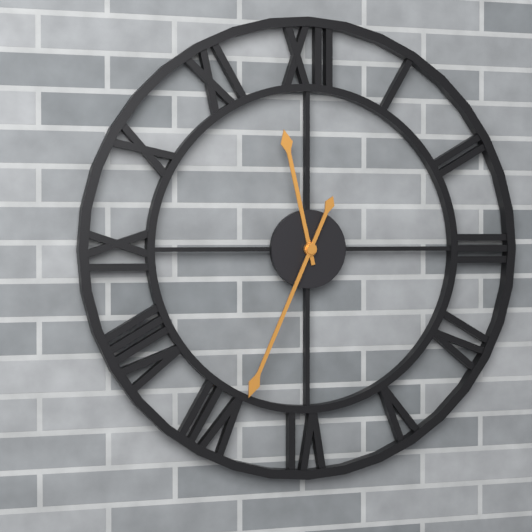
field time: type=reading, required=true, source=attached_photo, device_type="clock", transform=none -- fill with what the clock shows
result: 11:34
